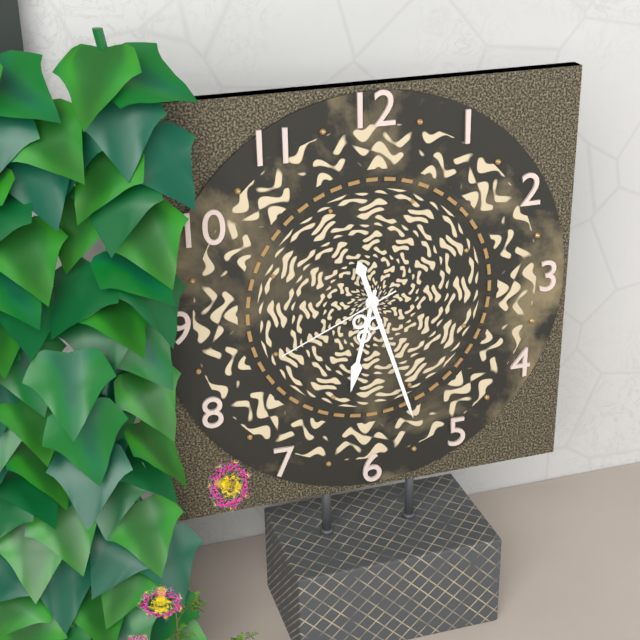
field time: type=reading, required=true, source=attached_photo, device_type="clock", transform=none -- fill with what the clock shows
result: 6:27:41
